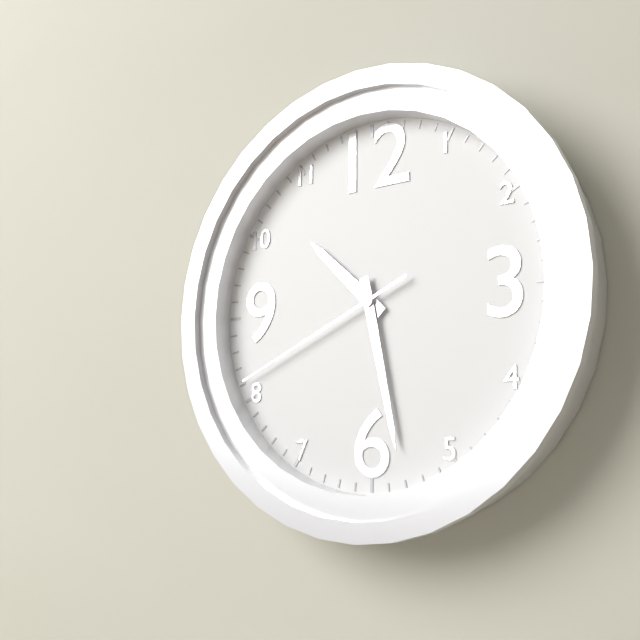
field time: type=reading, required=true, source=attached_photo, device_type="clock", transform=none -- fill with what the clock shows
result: 10:28:41
